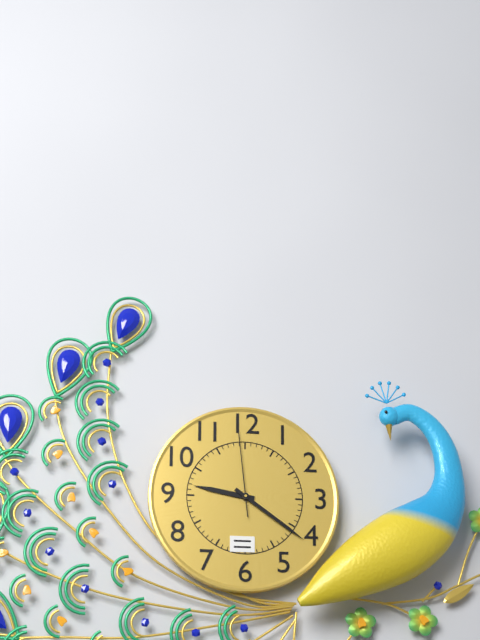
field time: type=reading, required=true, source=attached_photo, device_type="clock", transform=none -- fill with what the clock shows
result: 9:21:59
